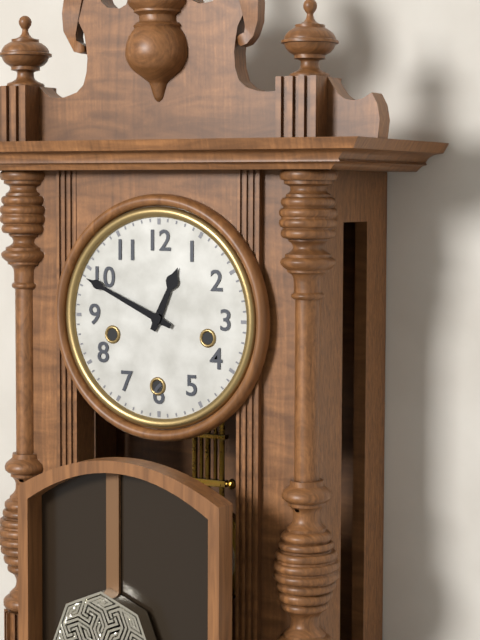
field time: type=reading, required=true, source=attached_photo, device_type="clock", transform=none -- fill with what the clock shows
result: 12:49
